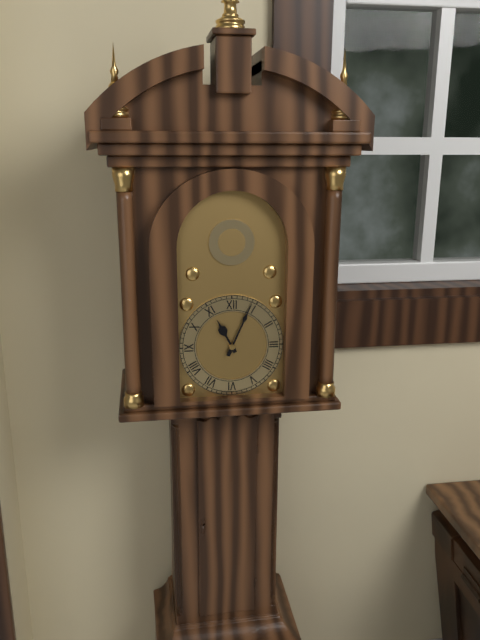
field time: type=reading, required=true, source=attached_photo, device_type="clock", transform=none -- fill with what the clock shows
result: 11:04
